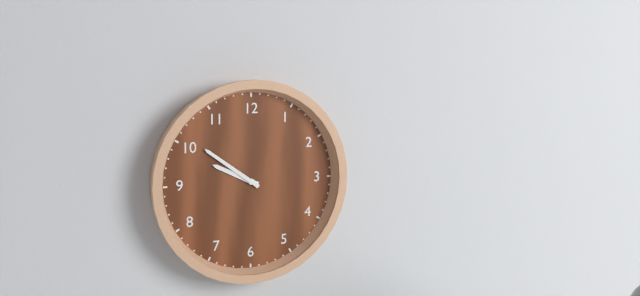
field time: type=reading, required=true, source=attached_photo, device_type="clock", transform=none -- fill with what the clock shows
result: 9:51
